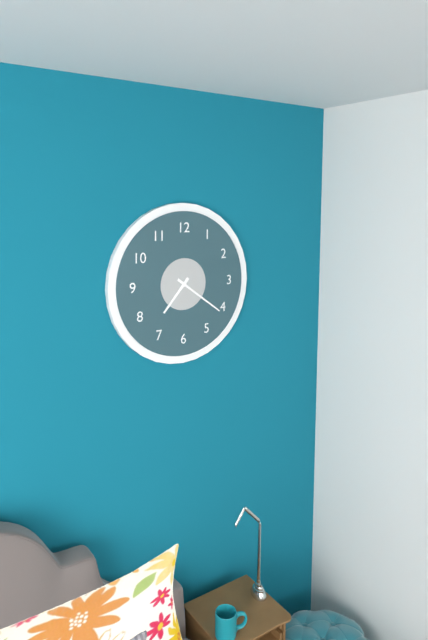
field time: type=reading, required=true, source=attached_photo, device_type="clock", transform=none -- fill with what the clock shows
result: 7:21
